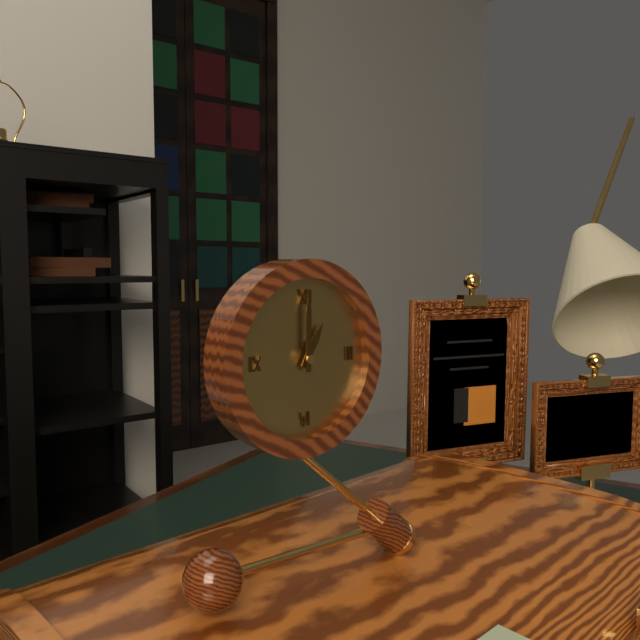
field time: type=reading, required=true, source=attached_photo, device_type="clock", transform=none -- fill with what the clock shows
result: 1:00
